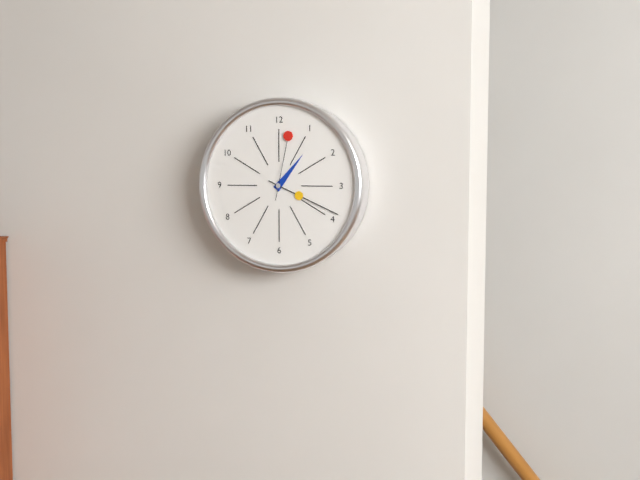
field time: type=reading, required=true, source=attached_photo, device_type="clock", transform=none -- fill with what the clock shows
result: 1:19:02
